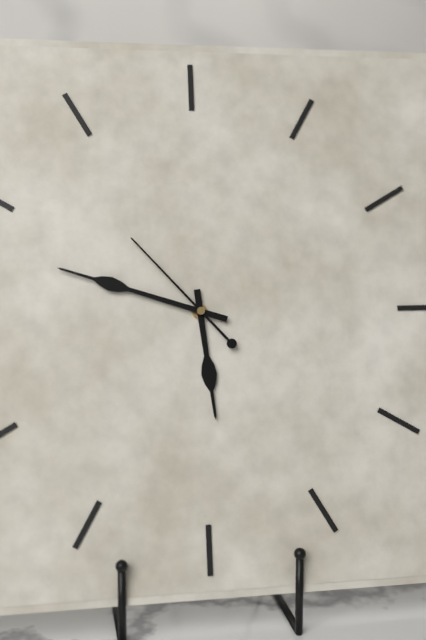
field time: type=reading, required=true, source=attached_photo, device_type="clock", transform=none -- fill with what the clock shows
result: 5:48:53
